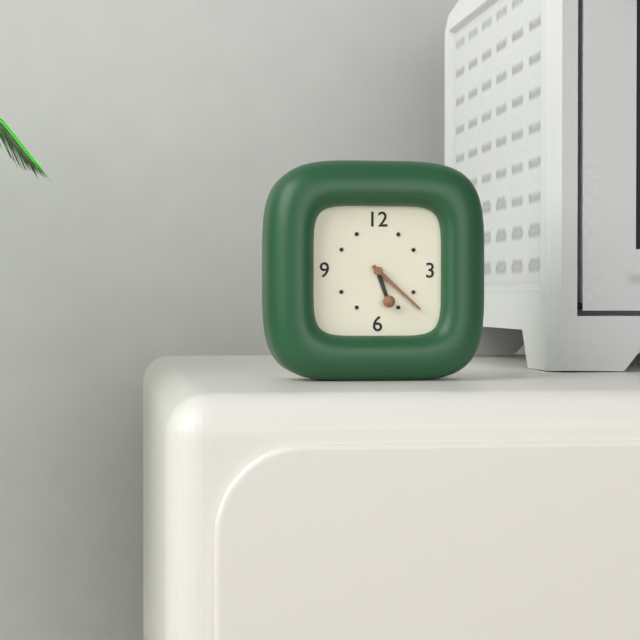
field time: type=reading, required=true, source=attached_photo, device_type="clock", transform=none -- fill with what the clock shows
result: 5:22
